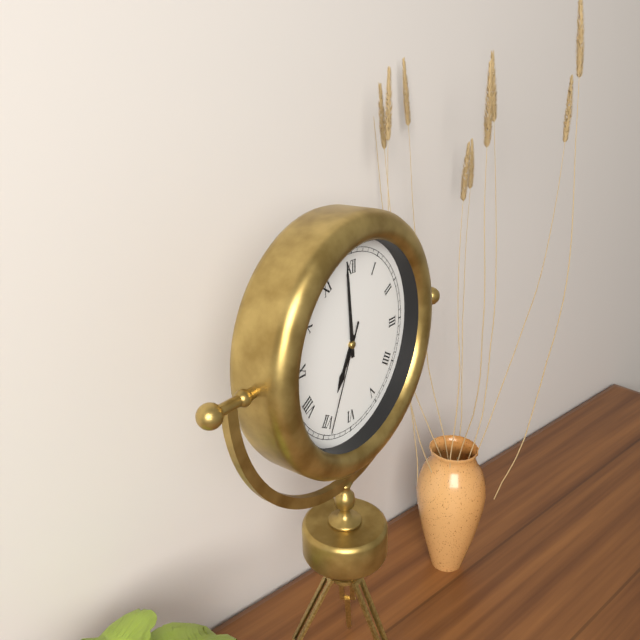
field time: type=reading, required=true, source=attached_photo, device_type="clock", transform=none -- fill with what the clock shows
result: 6:59:34
